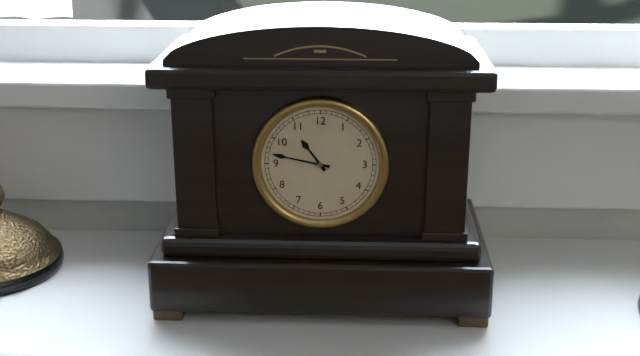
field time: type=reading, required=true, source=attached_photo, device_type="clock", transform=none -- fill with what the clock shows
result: 10:47
